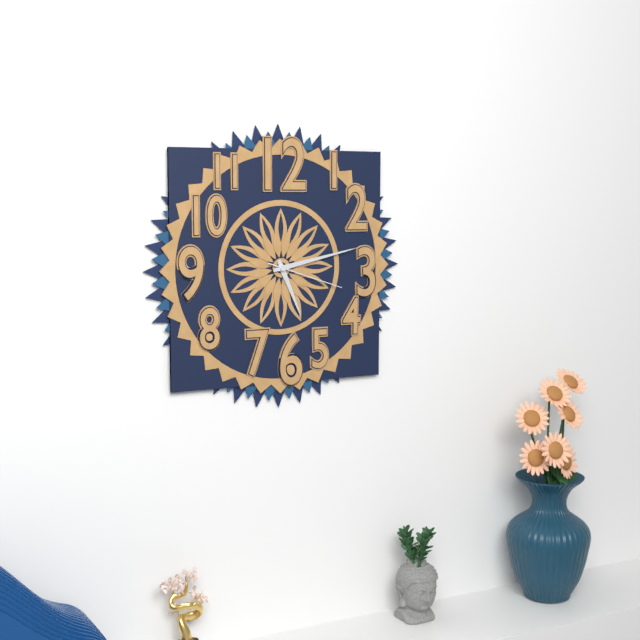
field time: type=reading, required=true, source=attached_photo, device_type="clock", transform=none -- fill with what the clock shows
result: 5:13:18
